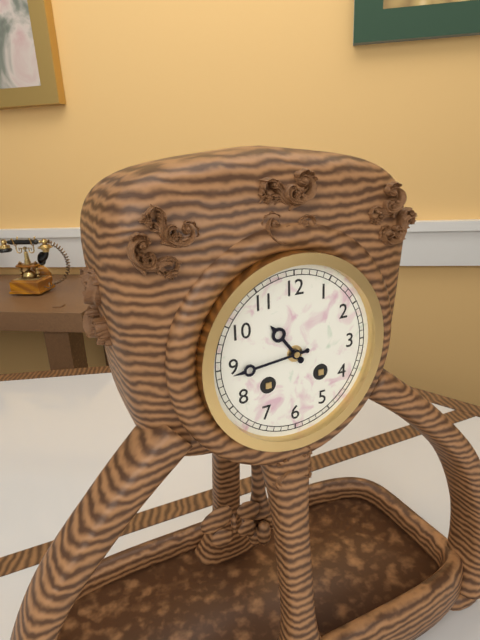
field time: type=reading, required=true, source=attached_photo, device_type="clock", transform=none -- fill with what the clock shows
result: 10:44
